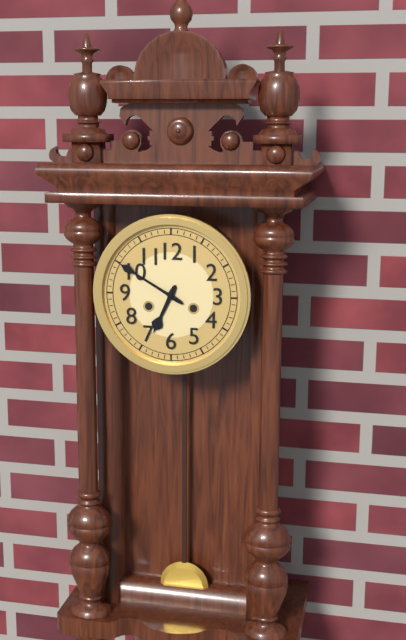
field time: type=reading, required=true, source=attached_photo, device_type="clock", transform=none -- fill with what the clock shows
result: 6:50
